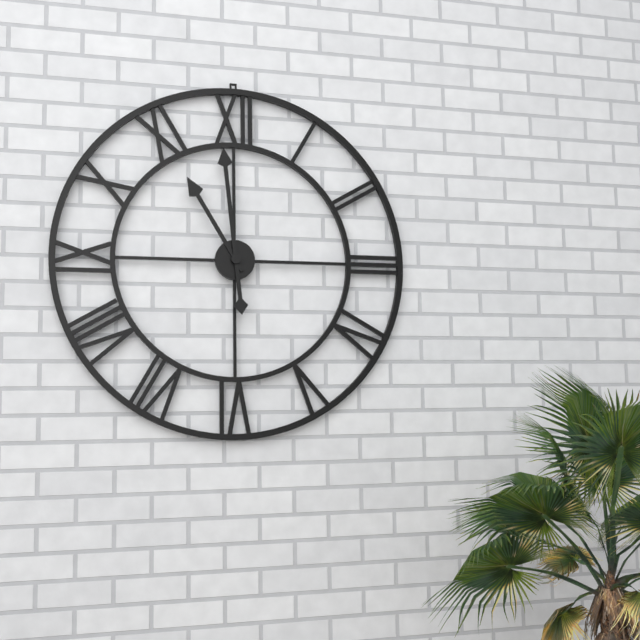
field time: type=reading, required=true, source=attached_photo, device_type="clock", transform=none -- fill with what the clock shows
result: 10:59
